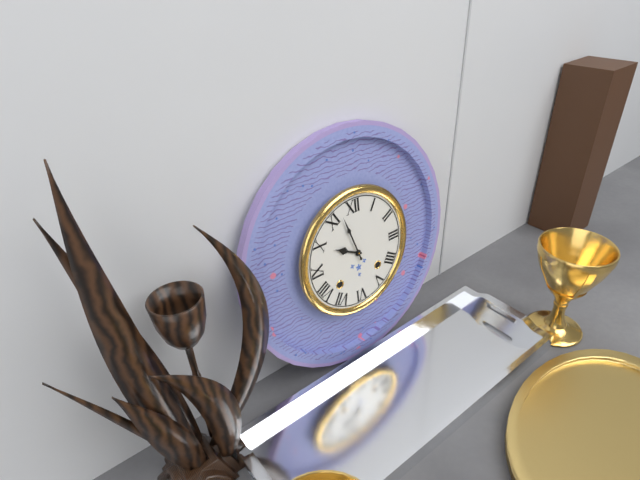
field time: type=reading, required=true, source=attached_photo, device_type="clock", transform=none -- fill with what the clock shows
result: 9:57
